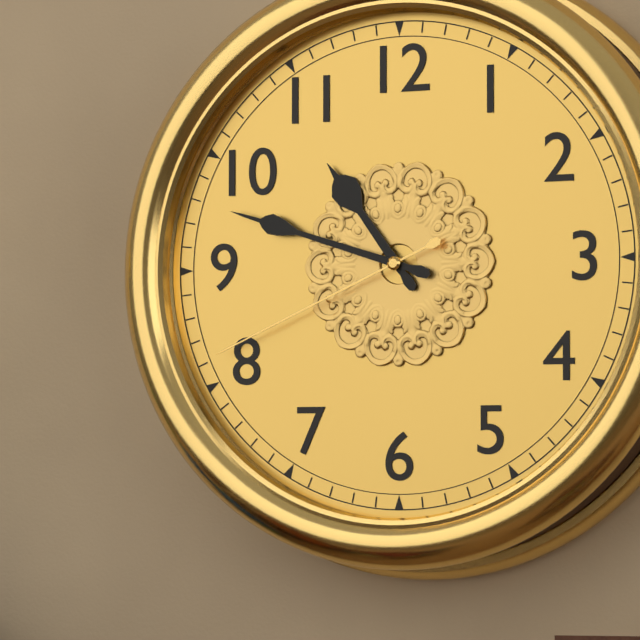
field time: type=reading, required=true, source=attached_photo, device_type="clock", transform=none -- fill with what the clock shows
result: 10:48:41
